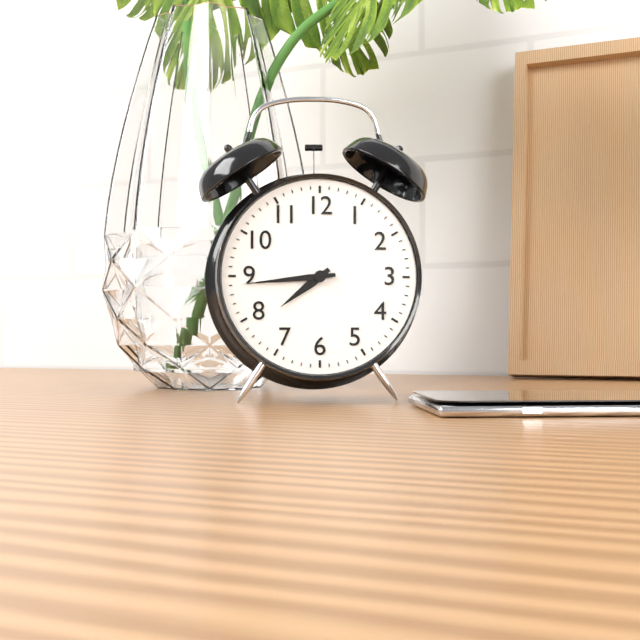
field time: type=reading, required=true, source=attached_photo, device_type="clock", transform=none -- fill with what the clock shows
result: 7:44
